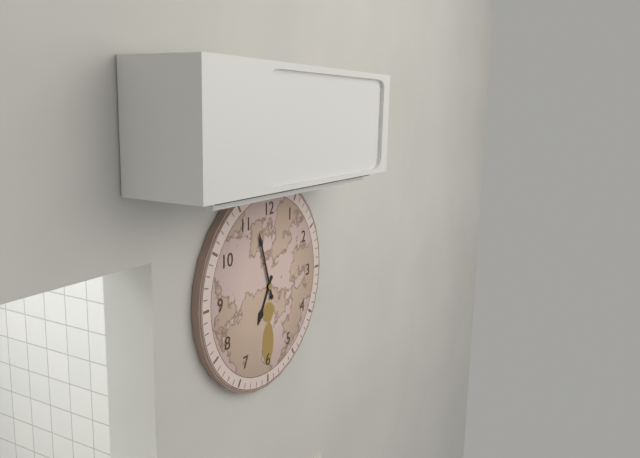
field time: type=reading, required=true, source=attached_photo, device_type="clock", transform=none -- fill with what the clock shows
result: 6:57
